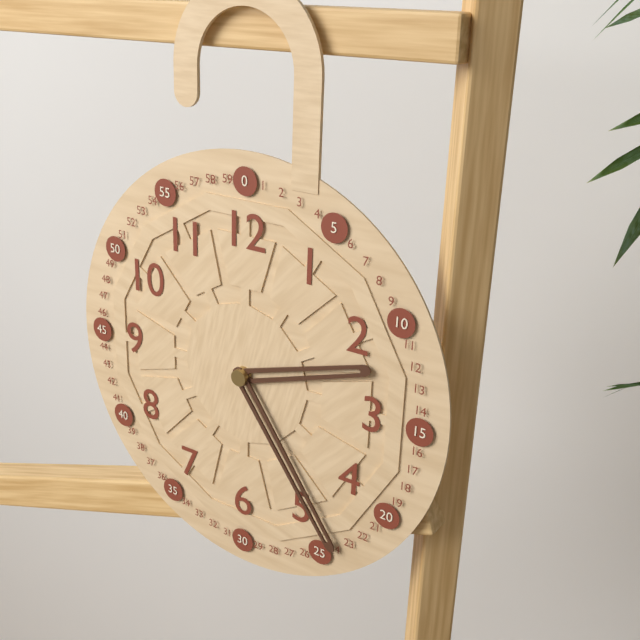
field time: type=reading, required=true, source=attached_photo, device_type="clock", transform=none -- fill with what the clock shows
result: 2:24
